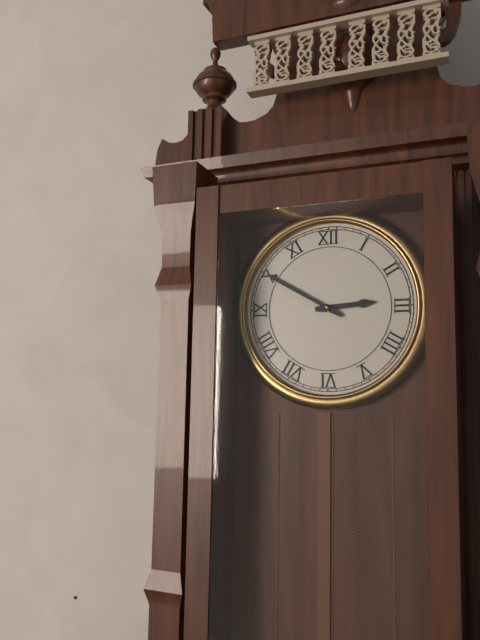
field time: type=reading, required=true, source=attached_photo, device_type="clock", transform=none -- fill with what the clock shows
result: 2:50
